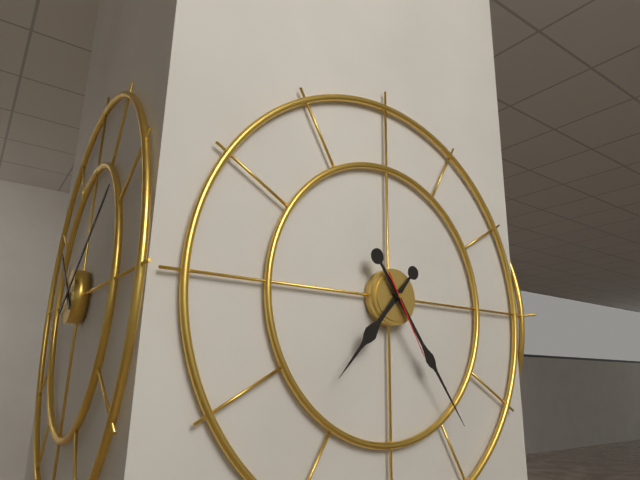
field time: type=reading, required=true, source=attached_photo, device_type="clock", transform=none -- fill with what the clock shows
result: 7:24:25
